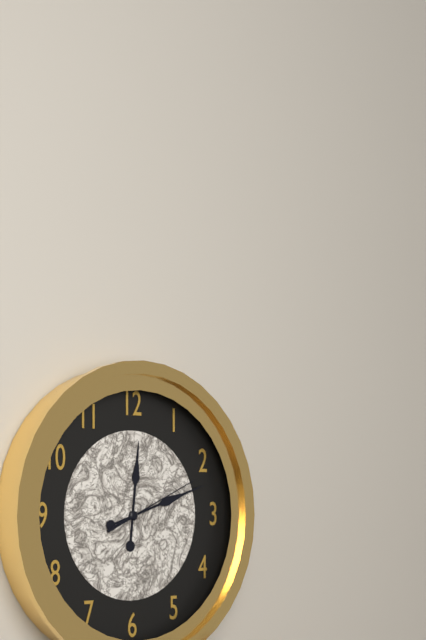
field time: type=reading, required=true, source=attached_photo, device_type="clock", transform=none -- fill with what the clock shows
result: 12:12:11
